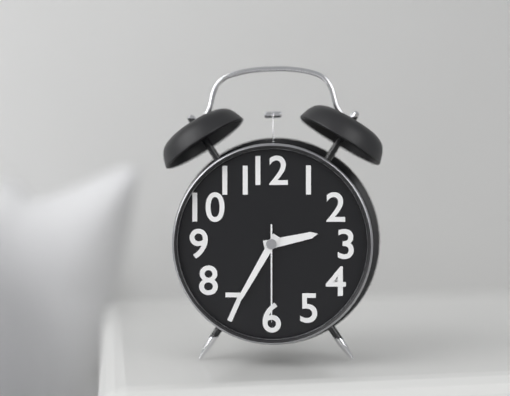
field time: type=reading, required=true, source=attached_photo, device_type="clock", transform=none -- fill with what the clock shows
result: 2:35:30
